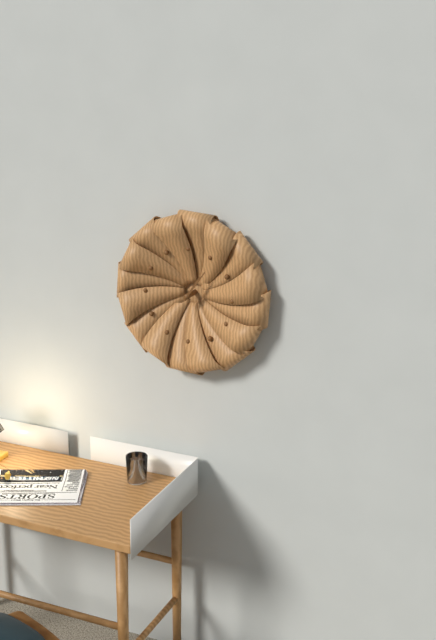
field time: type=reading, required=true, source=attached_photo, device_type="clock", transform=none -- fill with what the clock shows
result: 1:06
